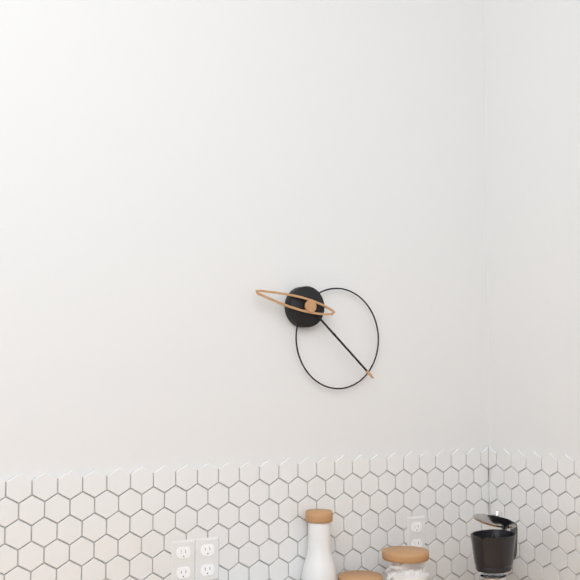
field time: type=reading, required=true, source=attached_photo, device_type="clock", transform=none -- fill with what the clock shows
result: 9:22
